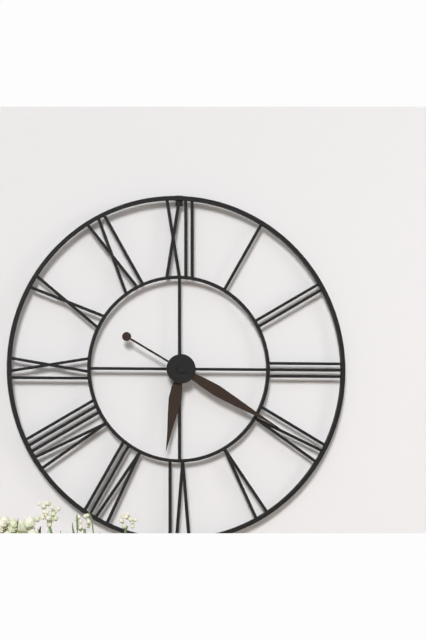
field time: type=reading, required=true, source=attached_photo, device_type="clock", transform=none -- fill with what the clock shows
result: 6:20
